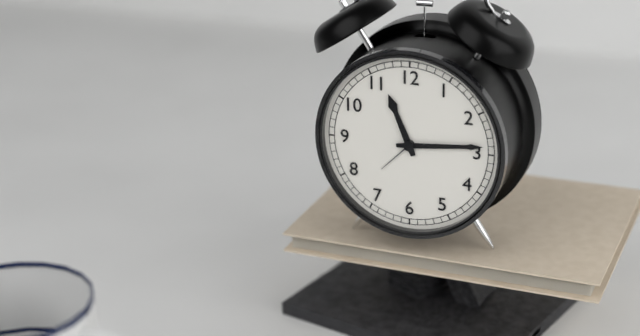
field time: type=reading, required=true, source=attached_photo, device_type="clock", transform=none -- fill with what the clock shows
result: 11:14
